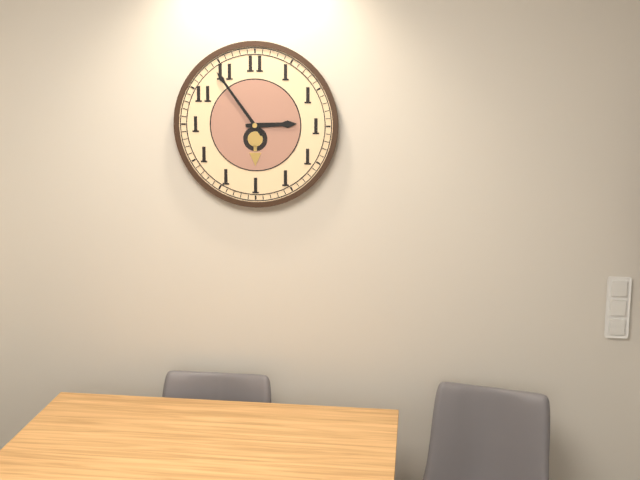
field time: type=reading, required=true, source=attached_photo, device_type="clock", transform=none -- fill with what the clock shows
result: 2:54
